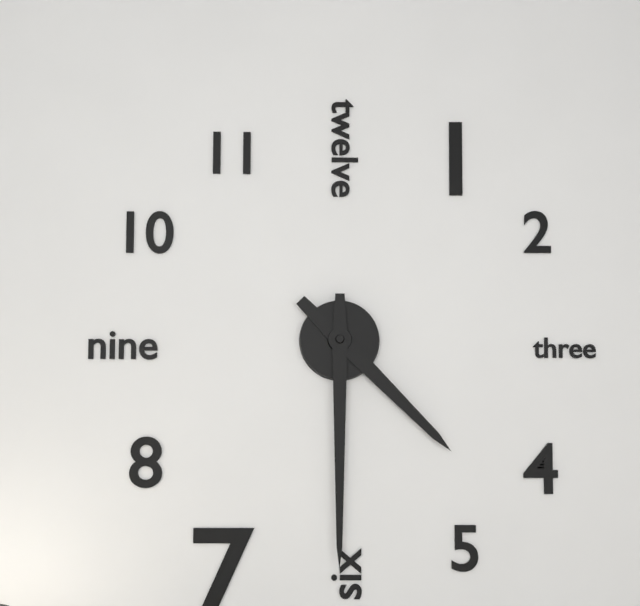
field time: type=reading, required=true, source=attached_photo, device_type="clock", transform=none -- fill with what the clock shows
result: 4:30
